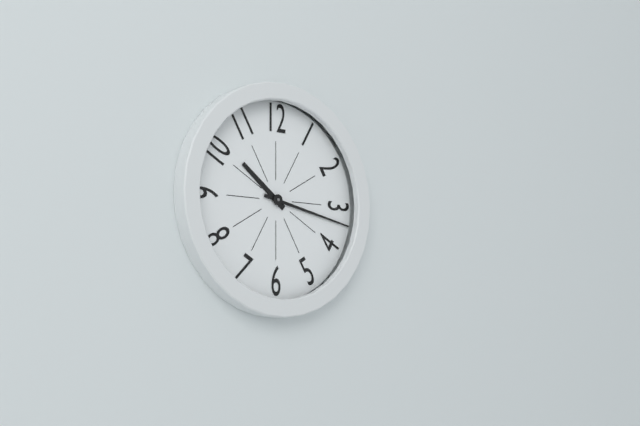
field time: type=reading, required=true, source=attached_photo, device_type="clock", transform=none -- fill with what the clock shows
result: 10:17
